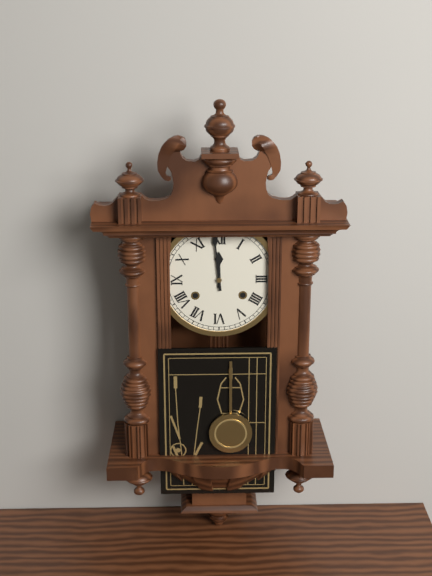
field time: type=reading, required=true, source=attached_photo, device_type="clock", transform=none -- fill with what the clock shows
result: 11:59
